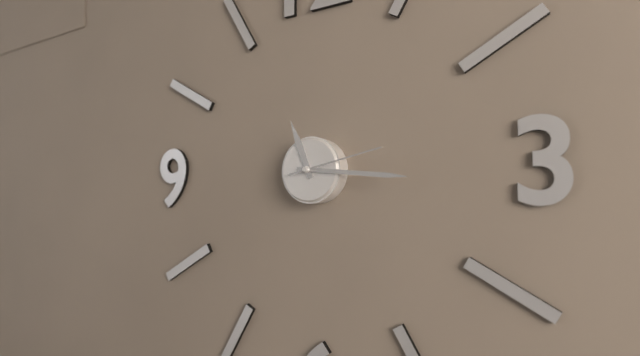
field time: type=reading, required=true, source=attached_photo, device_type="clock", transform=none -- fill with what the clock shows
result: 11:16:13
